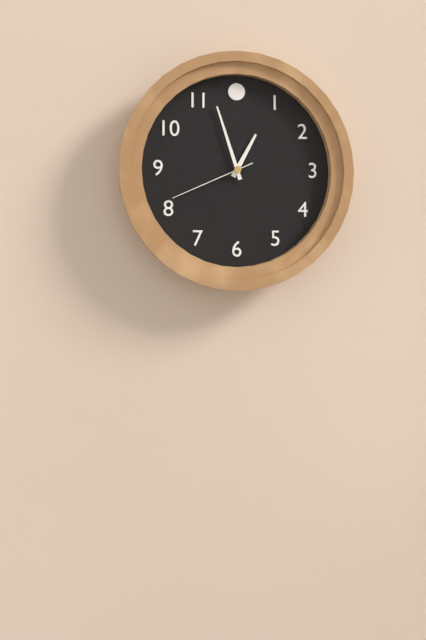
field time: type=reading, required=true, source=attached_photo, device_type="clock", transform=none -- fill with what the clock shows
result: 12:57:41
